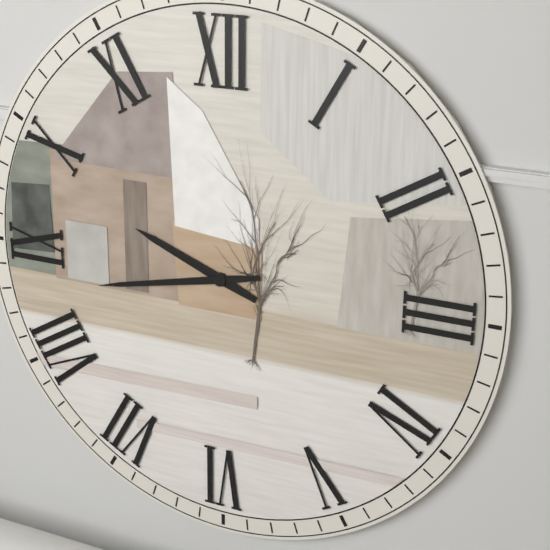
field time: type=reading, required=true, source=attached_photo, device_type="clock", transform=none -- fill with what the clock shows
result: 9:43
